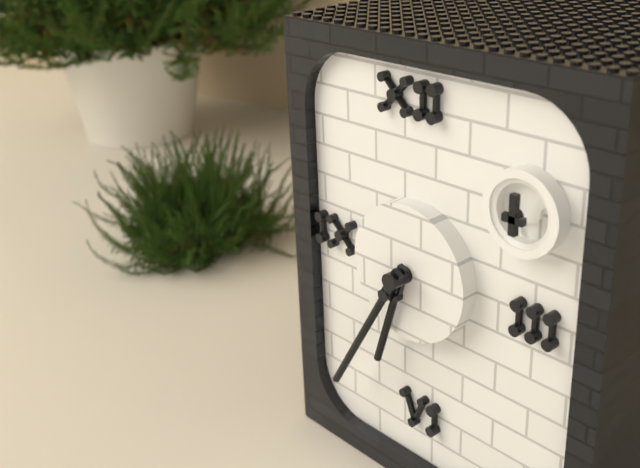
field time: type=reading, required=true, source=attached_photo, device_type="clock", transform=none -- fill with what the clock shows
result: 6:35
